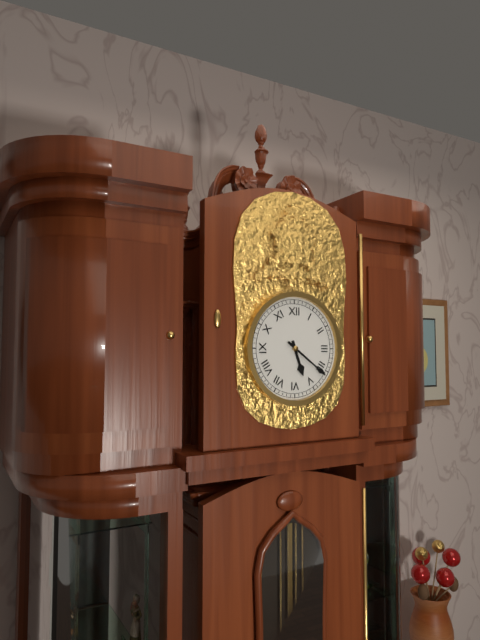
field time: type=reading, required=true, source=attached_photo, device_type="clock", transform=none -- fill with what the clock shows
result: 5:21
